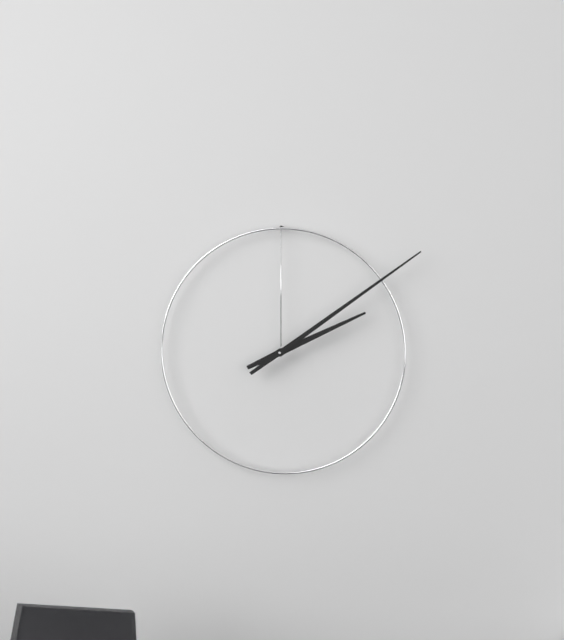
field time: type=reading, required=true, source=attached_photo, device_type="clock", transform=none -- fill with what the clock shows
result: 2:09
